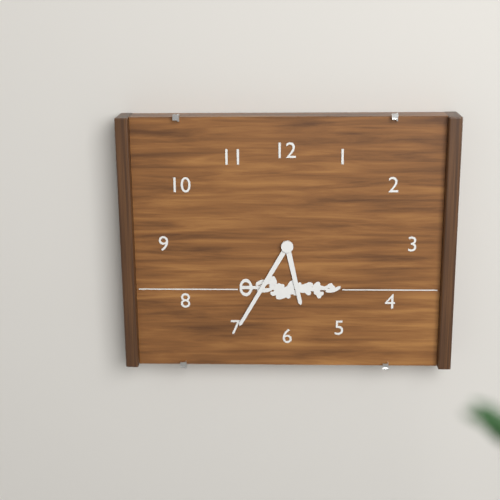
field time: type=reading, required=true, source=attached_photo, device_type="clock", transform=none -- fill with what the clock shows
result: 5:35
